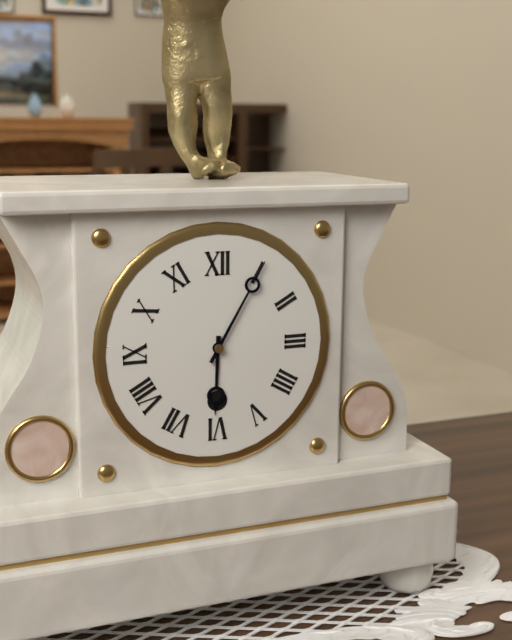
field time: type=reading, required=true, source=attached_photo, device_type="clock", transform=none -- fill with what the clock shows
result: 6:05
